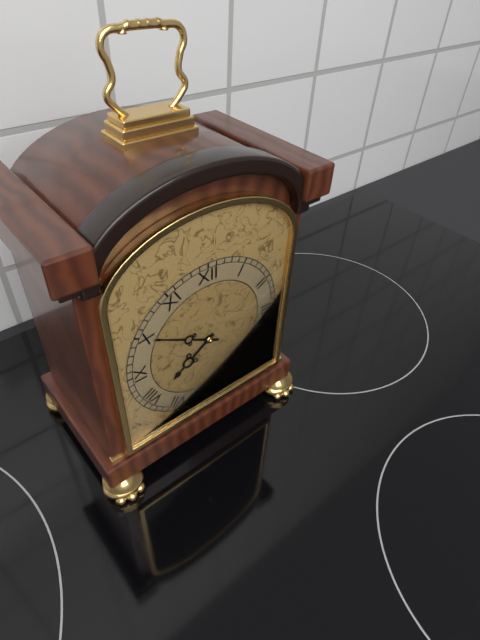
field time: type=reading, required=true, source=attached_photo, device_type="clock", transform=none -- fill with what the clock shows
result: 7:50
